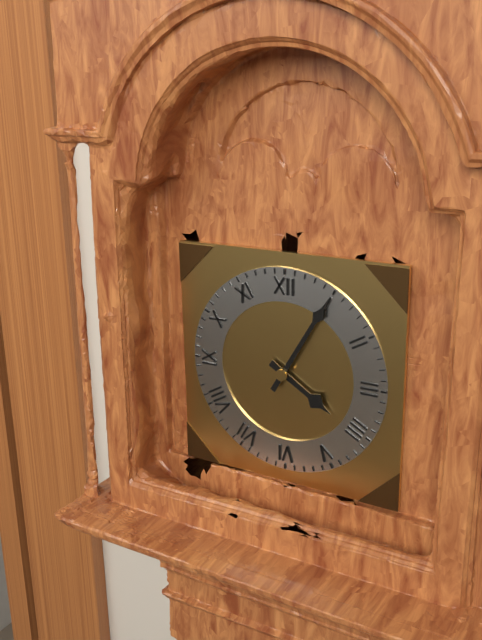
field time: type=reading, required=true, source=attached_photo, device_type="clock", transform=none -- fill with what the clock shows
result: 4:05
